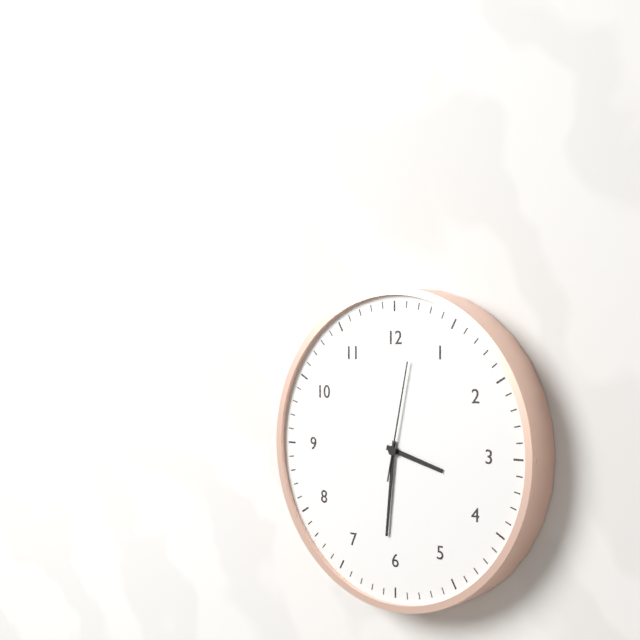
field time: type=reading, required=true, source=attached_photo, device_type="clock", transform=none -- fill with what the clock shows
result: 3:31:02
